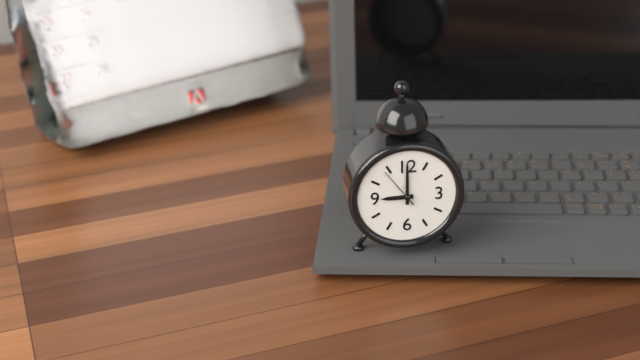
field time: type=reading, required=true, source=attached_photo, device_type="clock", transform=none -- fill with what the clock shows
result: 9:00
